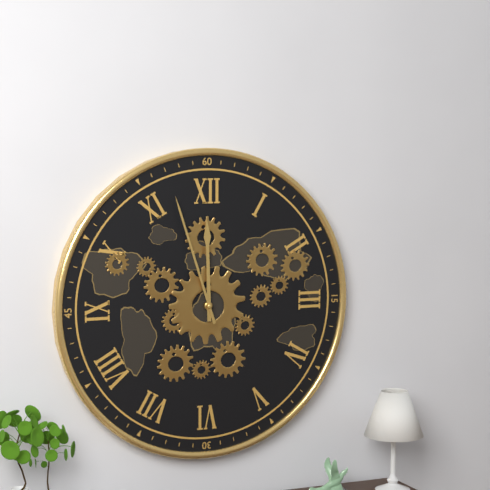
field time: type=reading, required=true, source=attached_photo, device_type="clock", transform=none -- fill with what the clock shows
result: 11:57
